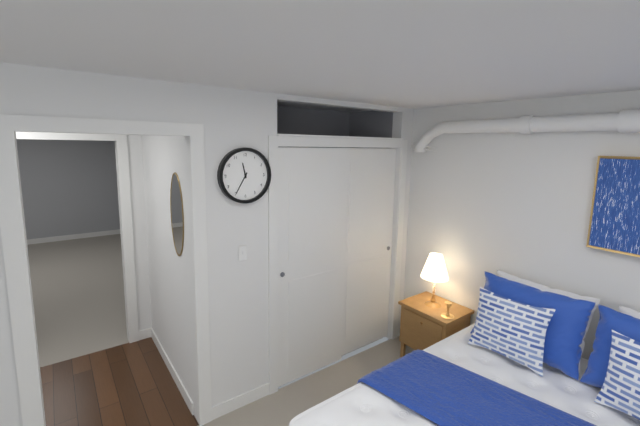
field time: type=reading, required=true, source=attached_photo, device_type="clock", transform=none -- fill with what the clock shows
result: 11:35
